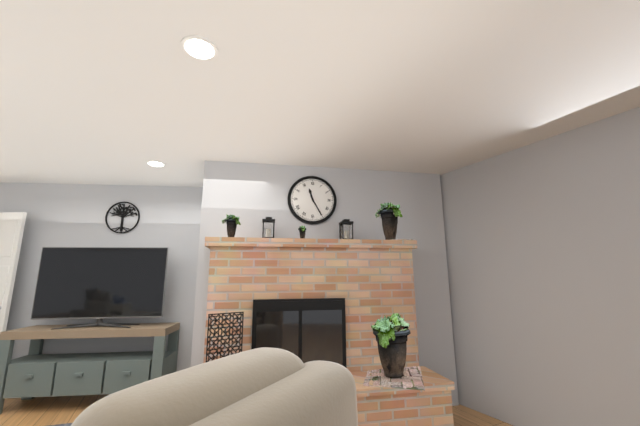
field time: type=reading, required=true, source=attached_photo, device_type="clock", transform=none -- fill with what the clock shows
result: 11:25
